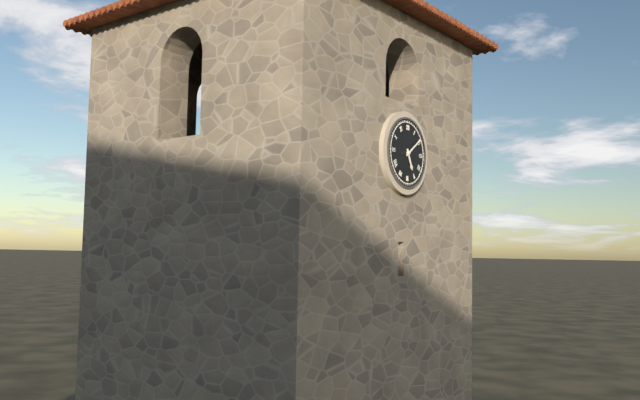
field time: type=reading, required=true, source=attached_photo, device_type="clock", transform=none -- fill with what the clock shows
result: 5:09
